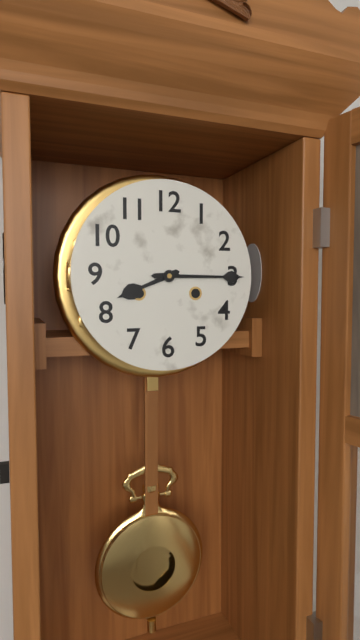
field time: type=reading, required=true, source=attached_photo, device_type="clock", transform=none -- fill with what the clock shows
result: 8:15
